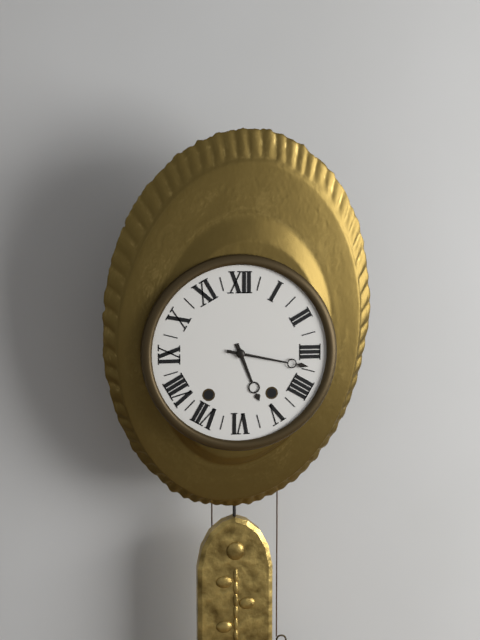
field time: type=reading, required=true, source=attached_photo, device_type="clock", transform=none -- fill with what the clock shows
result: 5:17
